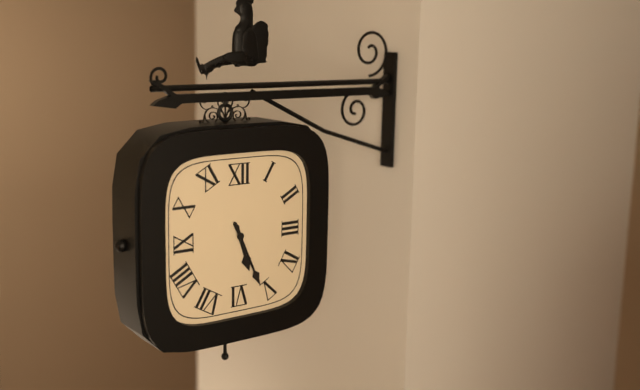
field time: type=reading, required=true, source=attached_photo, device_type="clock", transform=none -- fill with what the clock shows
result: 5:26
